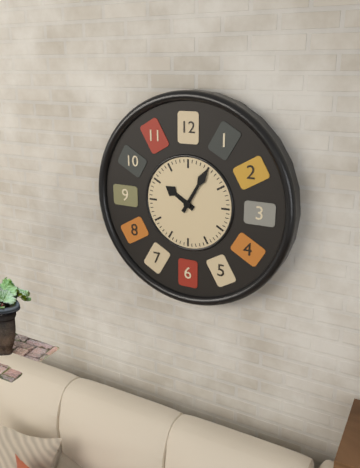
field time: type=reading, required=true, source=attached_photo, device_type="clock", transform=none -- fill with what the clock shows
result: 10:05
